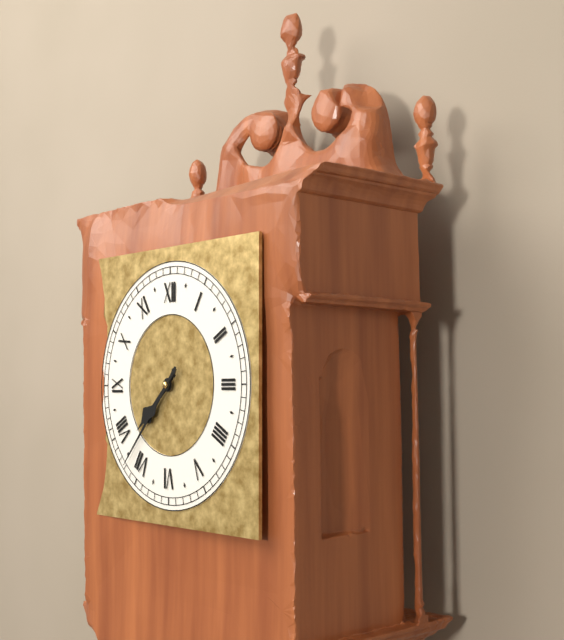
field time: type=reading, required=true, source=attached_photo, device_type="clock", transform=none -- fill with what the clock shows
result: 7:37
